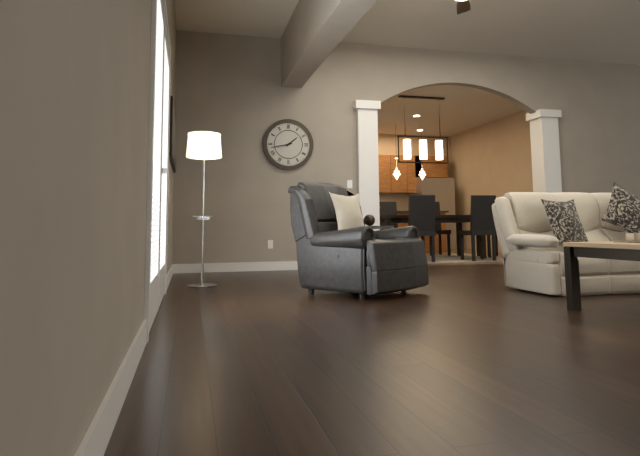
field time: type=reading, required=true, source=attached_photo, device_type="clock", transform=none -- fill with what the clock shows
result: 1:43
